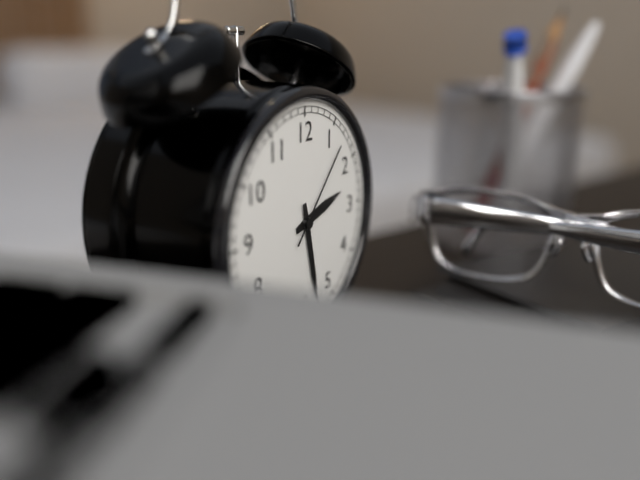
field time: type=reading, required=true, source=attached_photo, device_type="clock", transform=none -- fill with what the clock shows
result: 2:28:07
